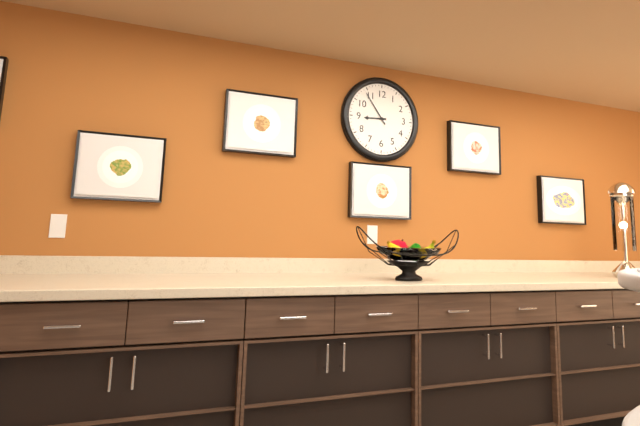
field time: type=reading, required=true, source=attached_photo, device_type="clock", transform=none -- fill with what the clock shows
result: 8:54
